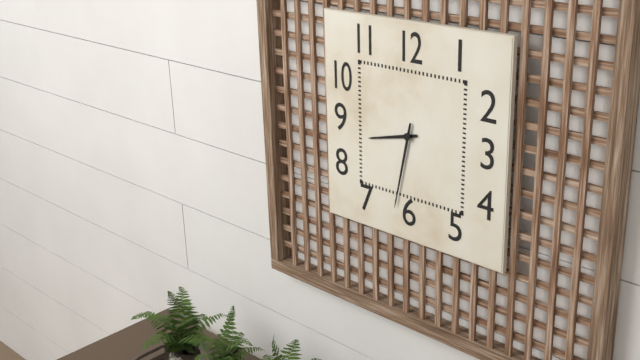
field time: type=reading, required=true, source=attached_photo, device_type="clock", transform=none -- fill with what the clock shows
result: 8:32
